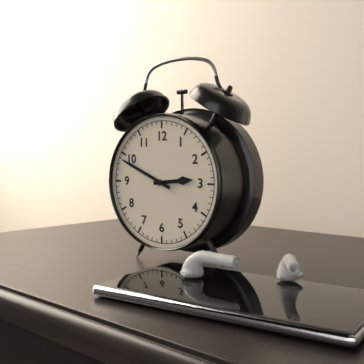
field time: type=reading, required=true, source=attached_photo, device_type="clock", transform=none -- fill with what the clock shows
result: 2:49
